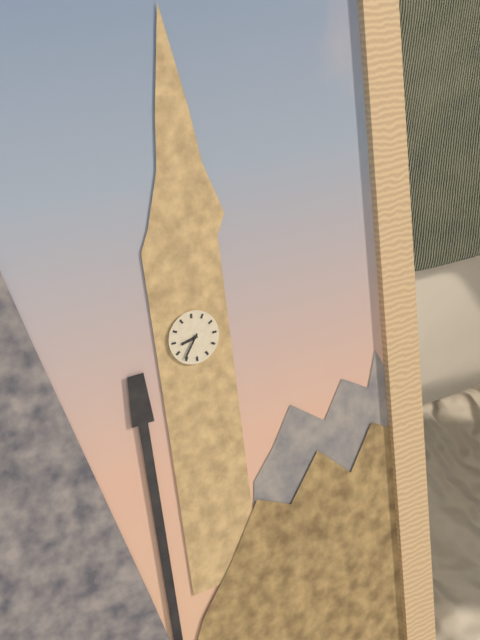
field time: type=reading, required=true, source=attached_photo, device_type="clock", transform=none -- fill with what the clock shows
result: 8:36
